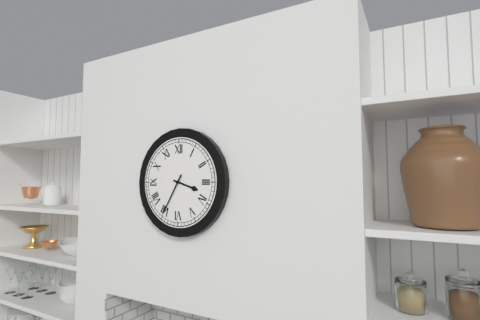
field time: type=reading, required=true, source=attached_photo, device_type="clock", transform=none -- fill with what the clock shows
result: 3:35
